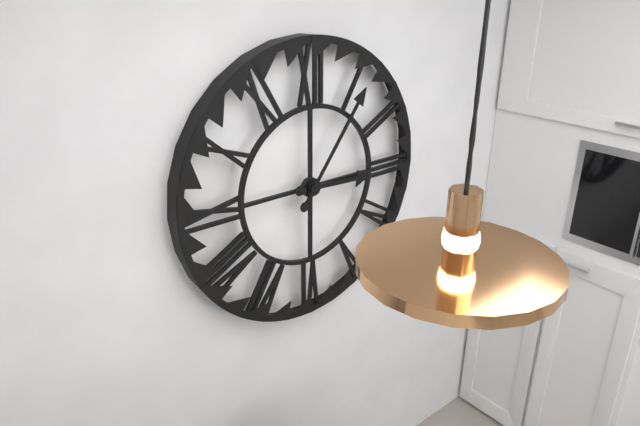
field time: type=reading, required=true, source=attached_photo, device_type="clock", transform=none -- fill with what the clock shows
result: 3:06
